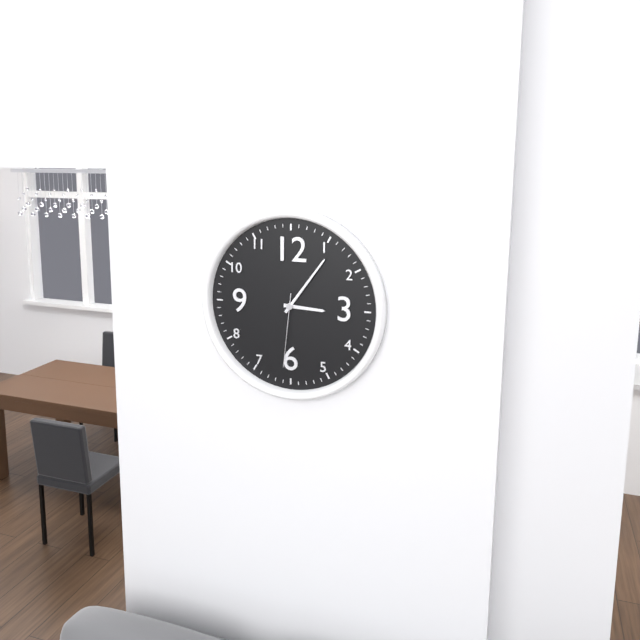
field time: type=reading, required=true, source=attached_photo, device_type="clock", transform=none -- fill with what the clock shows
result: 3:06:31
